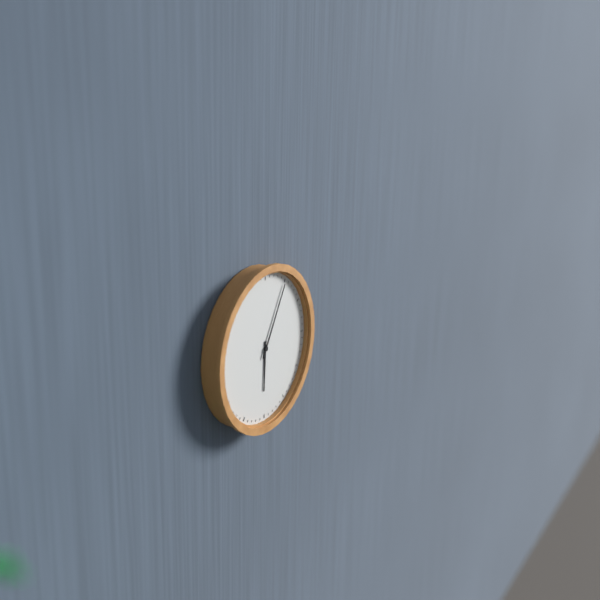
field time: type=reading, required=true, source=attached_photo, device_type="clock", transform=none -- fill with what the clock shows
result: 6:05
